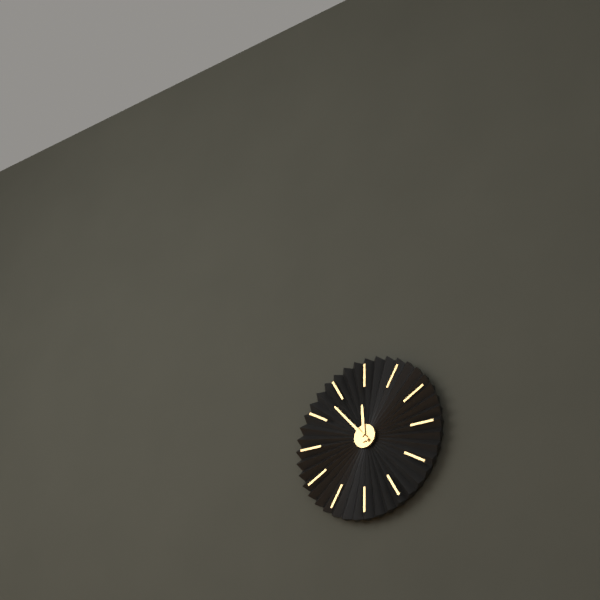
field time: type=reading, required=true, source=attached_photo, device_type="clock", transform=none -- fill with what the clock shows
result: 11:53
